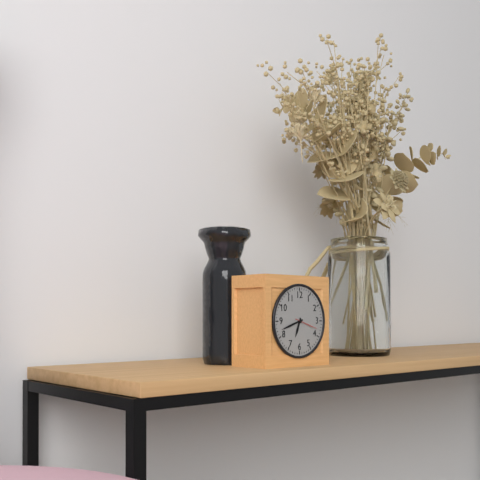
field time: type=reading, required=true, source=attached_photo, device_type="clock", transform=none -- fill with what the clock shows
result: 6:42
